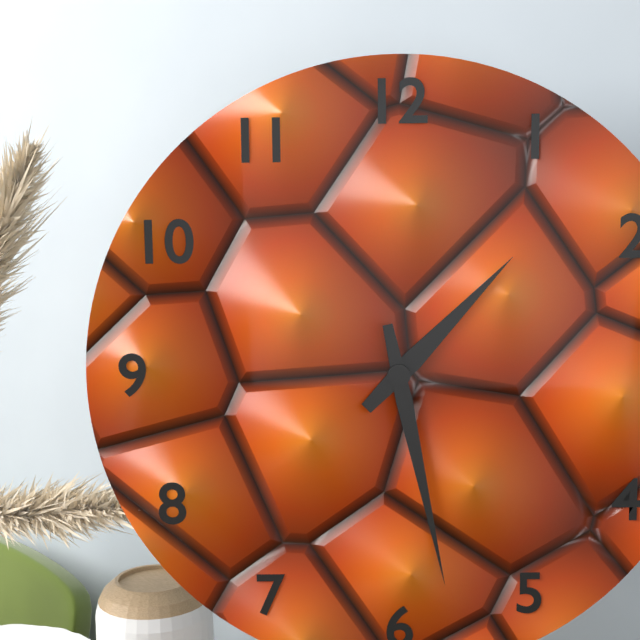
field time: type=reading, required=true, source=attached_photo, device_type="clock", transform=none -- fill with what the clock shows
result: 1:28
